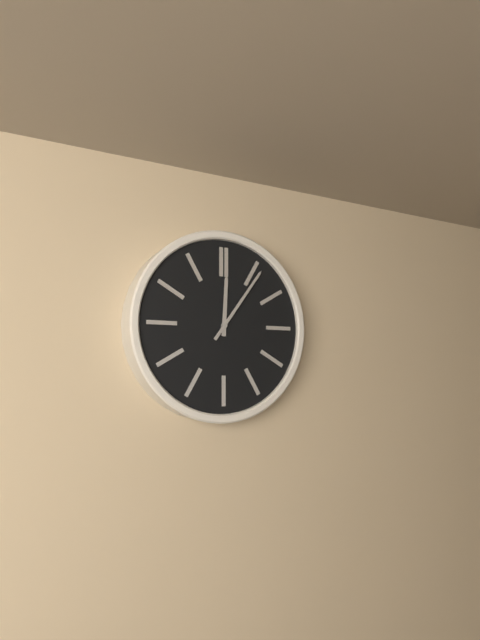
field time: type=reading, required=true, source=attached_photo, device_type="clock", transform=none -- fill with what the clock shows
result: 12:06
